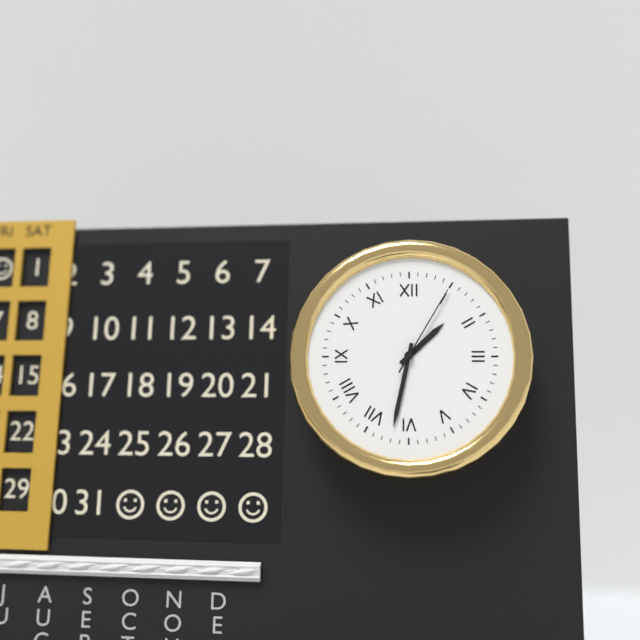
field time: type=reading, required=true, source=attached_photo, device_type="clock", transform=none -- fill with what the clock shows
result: 1:32:05
